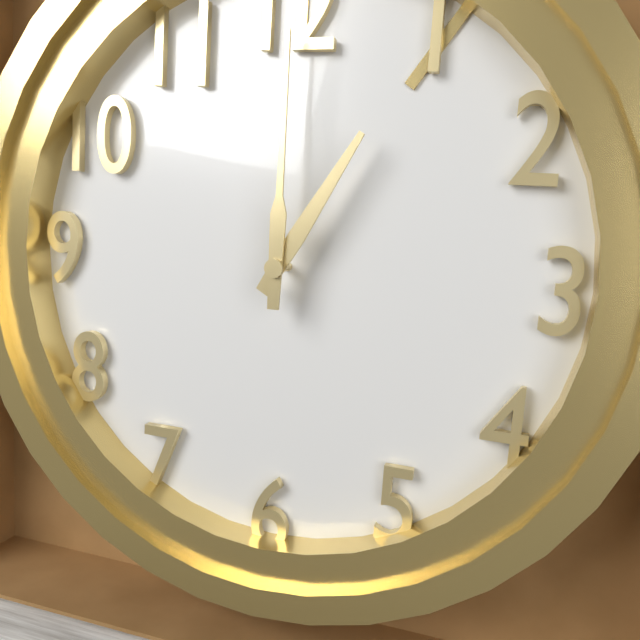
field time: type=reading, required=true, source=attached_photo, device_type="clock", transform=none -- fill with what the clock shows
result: 1:00
